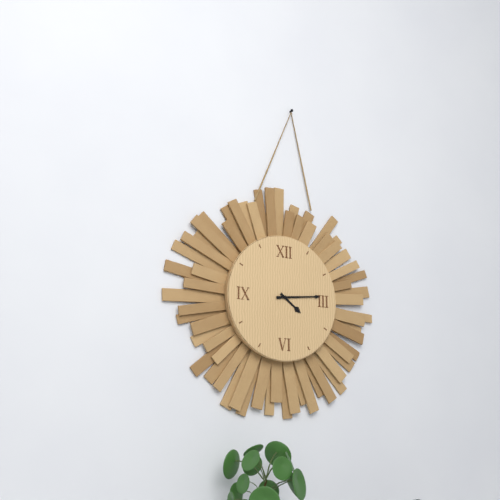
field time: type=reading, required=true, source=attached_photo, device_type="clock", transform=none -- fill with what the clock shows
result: 4:14
